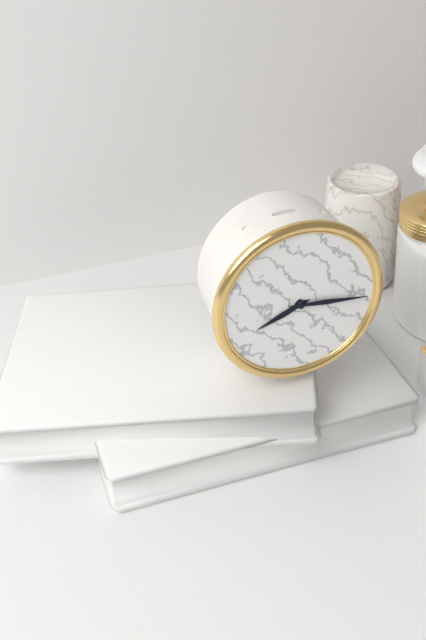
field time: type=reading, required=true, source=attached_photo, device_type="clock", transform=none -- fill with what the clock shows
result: 8:16
